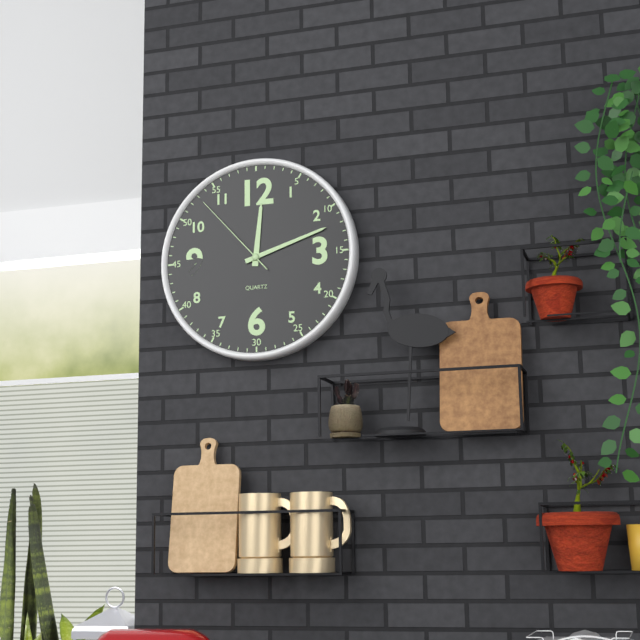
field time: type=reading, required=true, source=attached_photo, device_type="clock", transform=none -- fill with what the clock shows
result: 12:12:53
